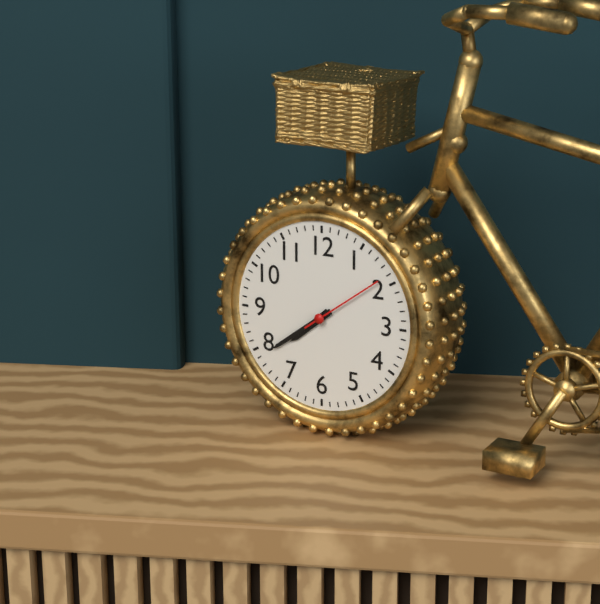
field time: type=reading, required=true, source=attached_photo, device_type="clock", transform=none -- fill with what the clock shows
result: 7:39:09
